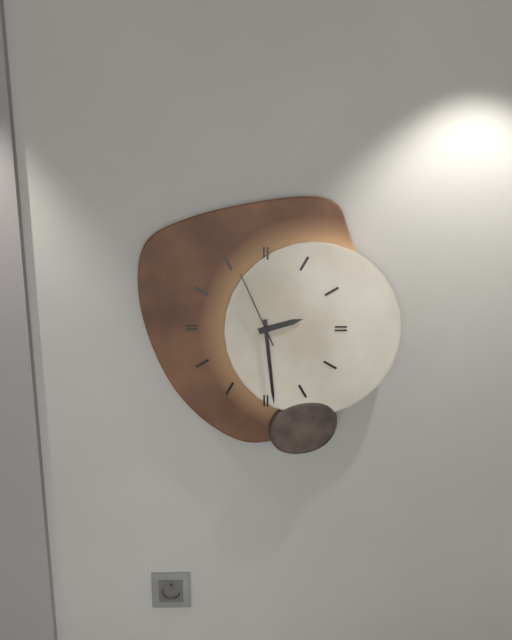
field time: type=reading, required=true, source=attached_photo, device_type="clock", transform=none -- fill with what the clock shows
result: 2:29:56
